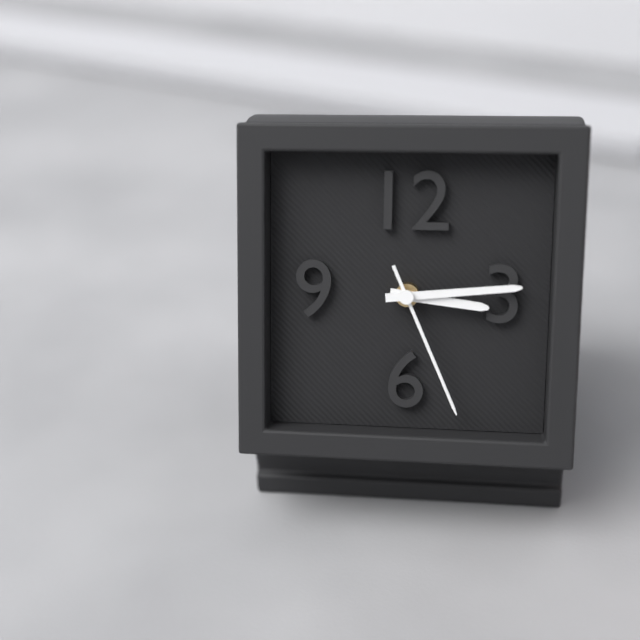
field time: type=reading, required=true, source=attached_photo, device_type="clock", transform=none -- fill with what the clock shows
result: 3:14:26
